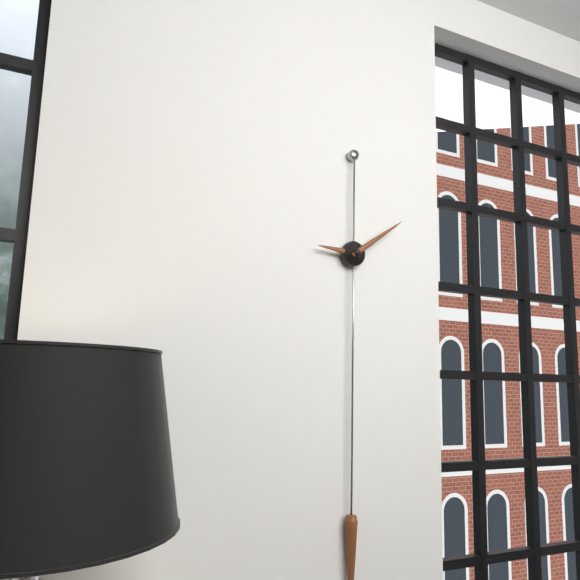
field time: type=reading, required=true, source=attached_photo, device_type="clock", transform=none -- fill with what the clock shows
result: 9:09
